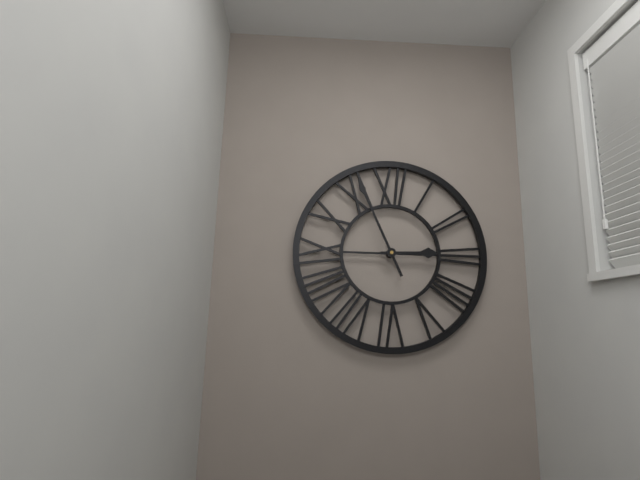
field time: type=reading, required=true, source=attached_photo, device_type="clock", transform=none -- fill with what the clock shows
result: 2:56
